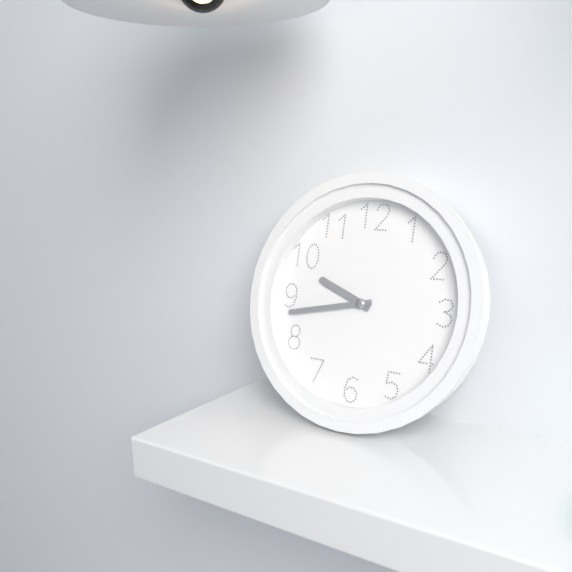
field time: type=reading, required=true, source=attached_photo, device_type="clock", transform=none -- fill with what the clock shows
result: 9:43
